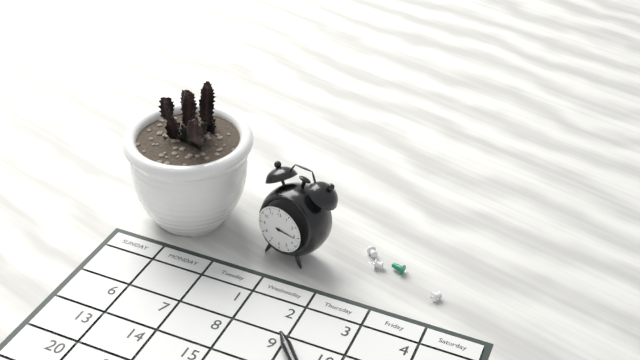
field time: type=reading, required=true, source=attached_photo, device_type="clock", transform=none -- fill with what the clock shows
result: 3:16
